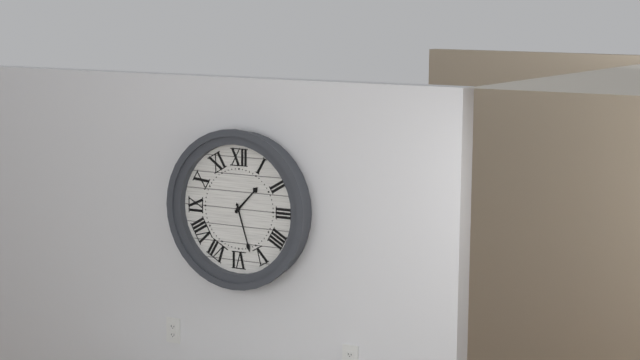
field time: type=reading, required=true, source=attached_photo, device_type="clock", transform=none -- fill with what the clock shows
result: 1:27
